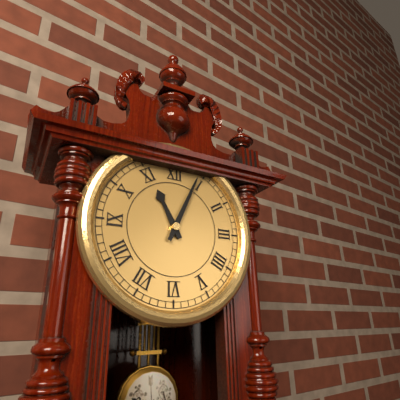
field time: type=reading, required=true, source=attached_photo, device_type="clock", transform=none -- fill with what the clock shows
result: 11:04
